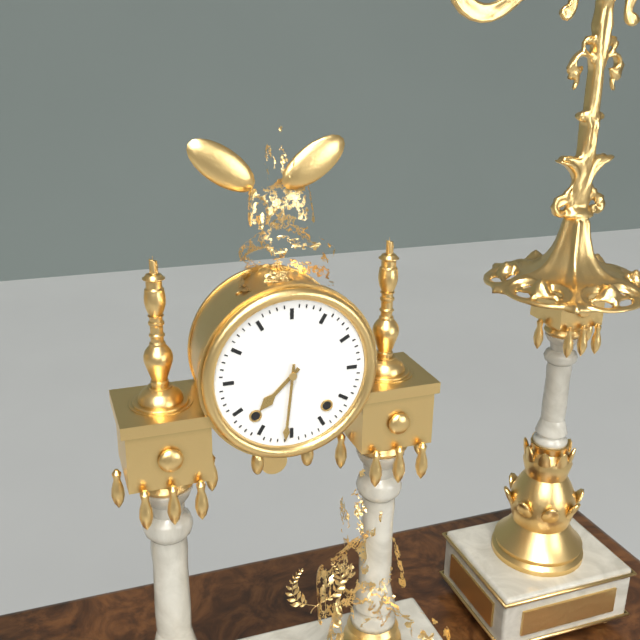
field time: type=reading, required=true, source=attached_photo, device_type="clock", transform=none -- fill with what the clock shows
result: 7:31
